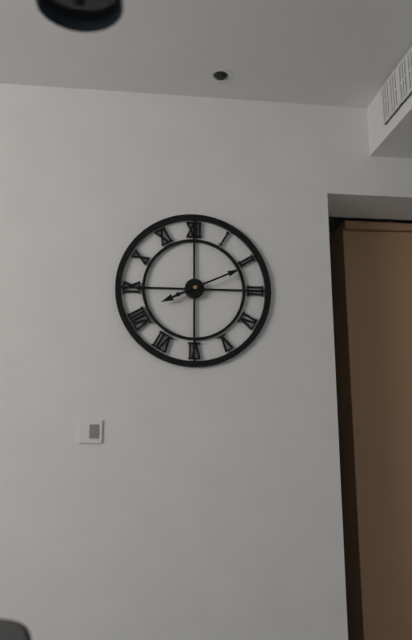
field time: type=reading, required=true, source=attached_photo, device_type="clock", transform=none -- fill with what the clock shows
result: 8:11
